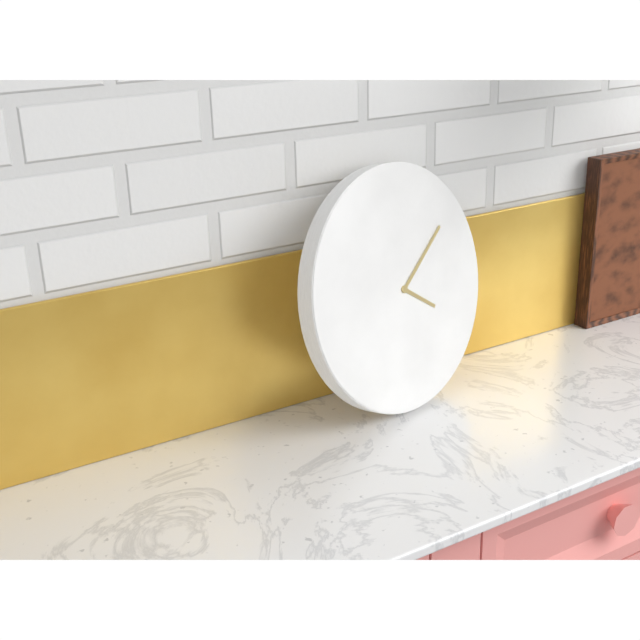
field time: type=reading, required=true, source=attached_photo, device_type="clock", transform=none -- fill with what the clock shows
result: 4:09
